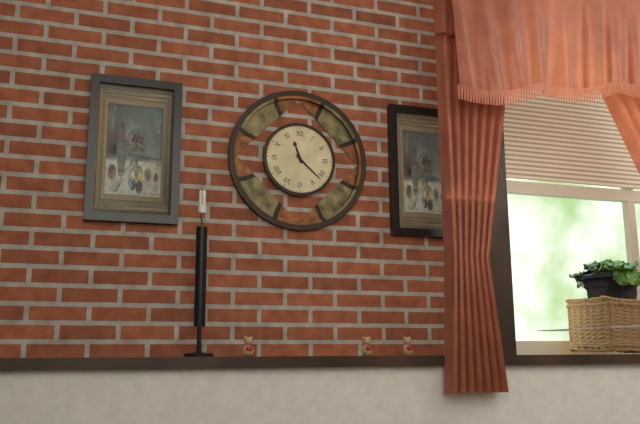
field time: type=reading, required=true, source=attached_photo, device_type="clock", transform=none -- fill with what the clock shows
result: 11:22
